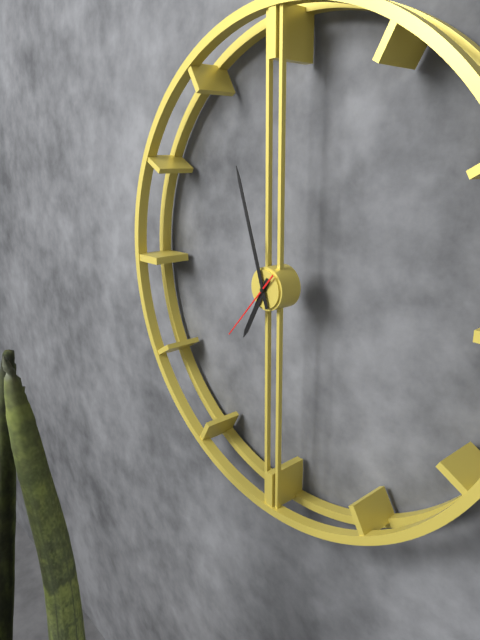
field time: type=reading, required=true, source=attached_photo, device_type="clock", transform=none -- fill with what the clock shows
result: 6:57:37
